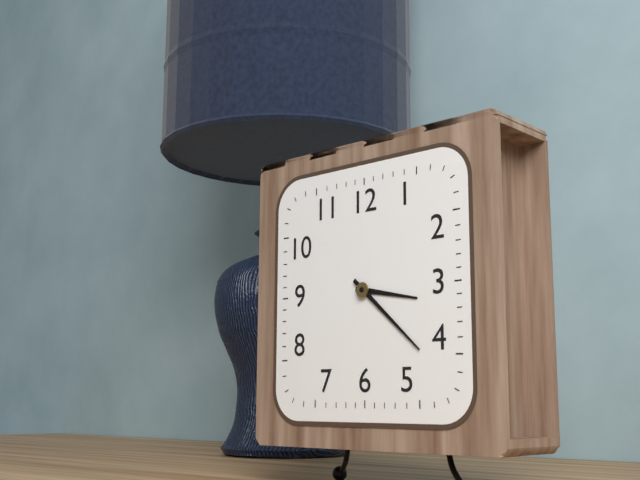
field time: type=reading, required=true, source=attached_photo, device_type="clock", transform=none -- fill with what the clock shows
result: 3:22
